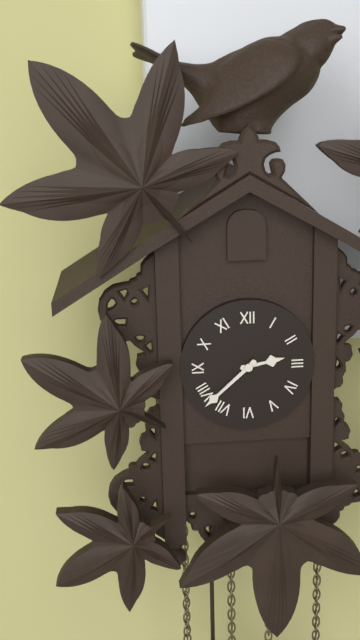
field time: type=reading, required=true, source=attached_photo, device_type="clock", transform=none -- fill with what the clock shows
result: 2:38
